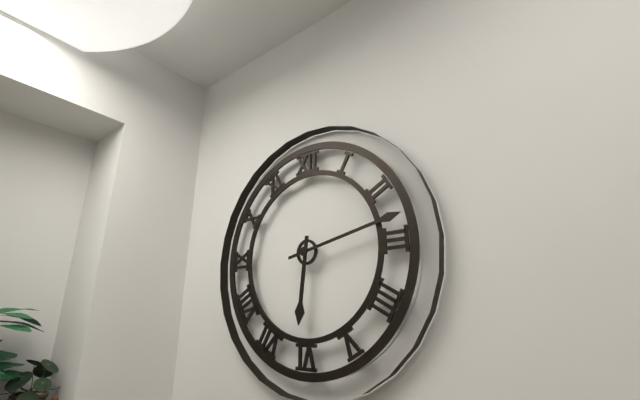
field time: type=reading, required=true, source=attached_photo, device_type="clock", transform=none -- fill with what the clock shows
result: 6:13
